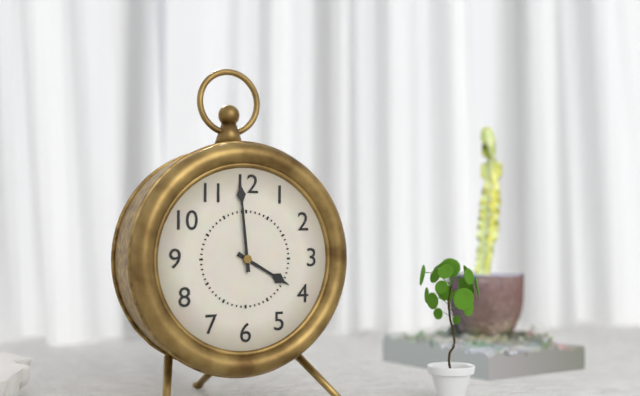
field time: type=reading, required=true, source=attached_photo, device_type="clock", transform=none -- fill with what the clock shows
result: 3:59
